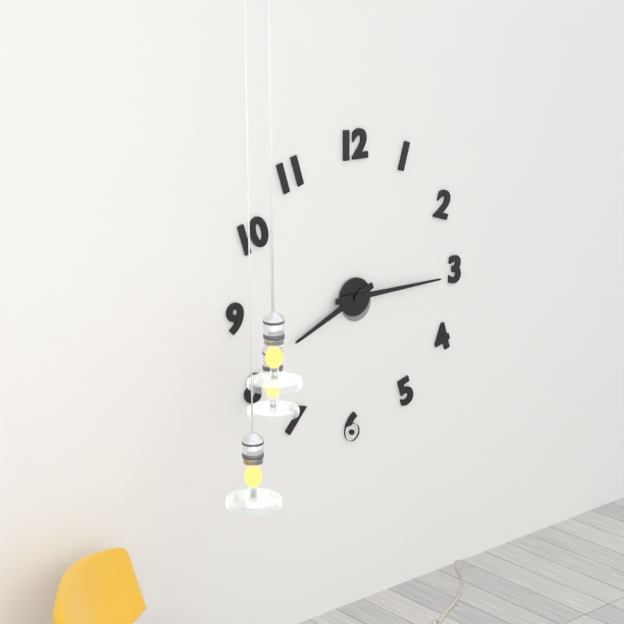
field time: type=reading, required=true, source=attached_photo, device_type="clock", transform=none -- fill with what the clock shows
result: 8:15
